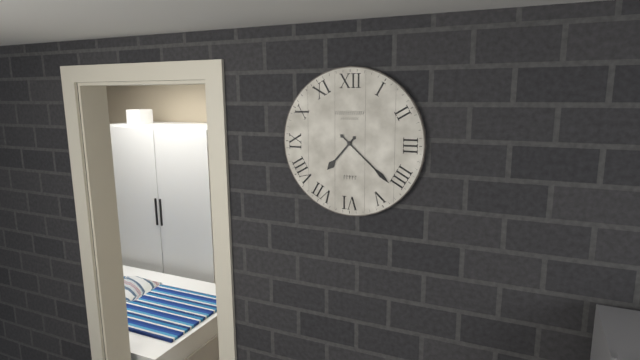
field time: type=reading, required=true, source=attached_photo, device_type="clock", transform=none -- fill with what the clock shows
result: 7:22
